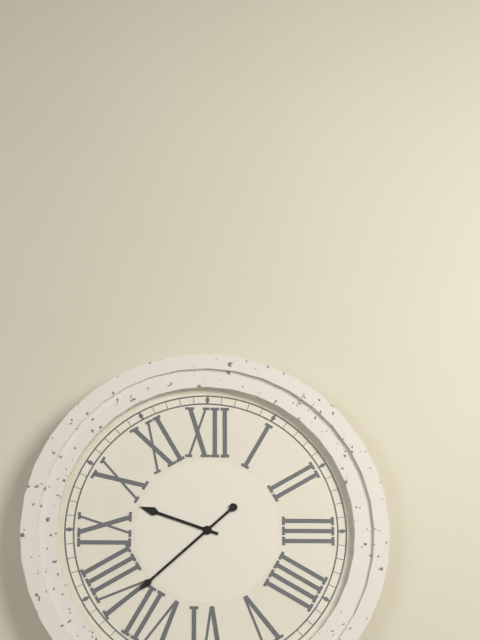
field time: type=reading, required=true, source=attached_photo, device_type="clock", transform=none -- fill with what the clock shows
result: 9:38
